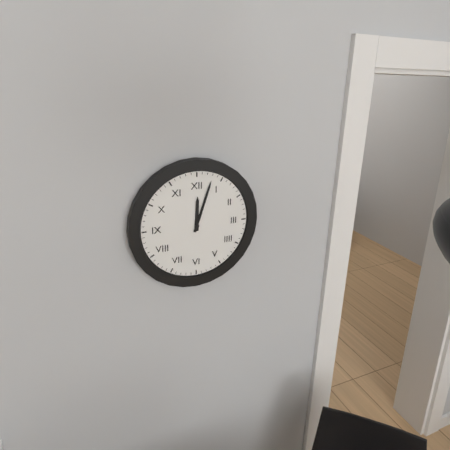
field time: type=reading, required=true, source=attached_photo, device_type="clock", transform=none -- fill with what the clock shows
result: 12:03
